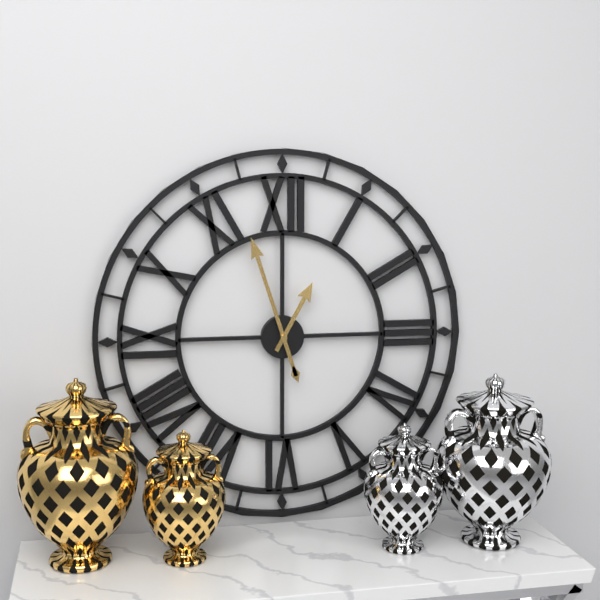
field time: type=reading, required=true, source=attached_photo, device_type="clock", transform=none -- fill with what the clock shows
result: 12:57
